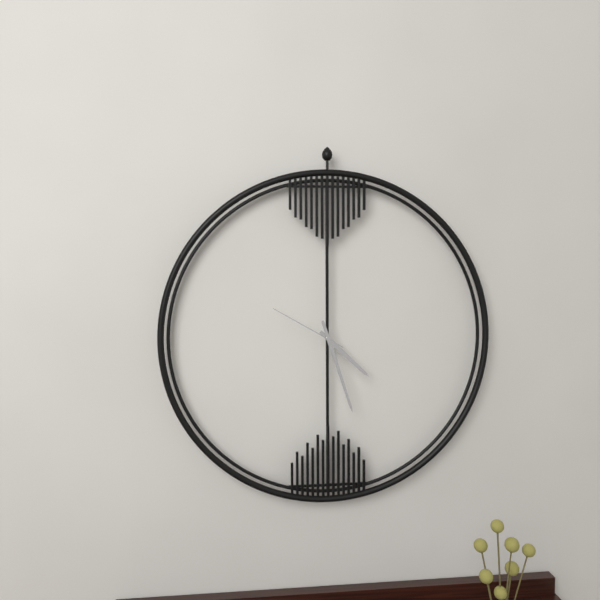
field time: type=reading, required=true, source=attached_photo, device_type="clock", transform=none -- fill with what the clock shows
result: 4:27:50
